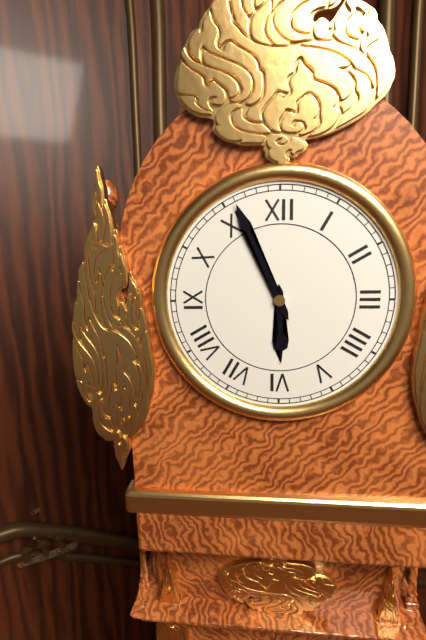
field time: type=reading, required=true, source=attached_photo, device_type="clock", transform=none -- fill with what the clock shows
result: 5:56
